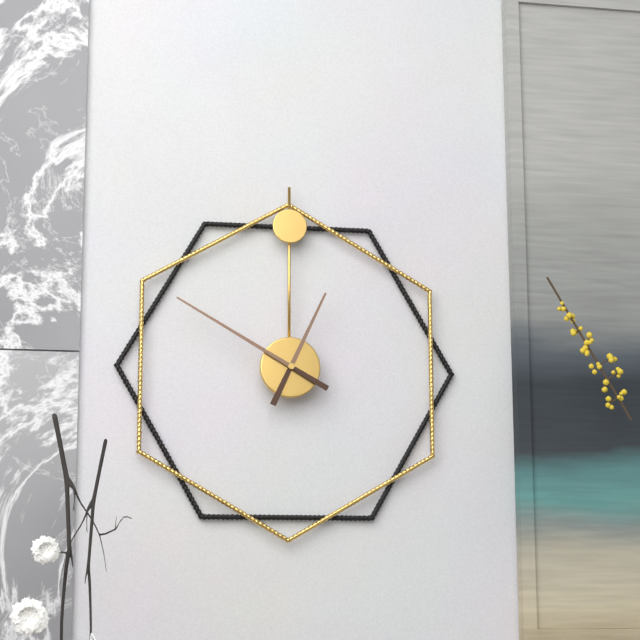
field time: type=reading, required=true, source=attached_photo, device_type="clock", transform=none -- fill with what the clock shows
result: 12:50
